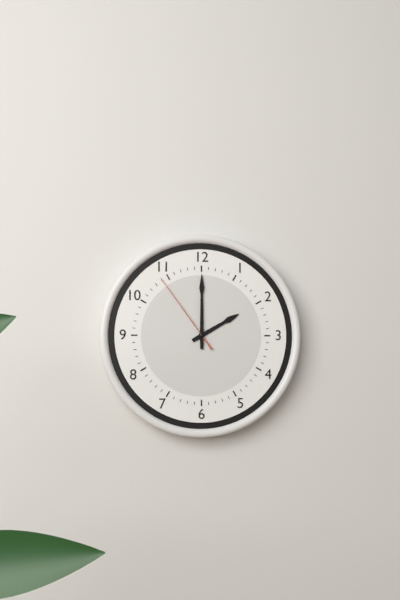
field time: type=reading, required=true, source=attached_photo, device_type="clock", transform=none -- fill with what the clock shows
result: 2:00:54
